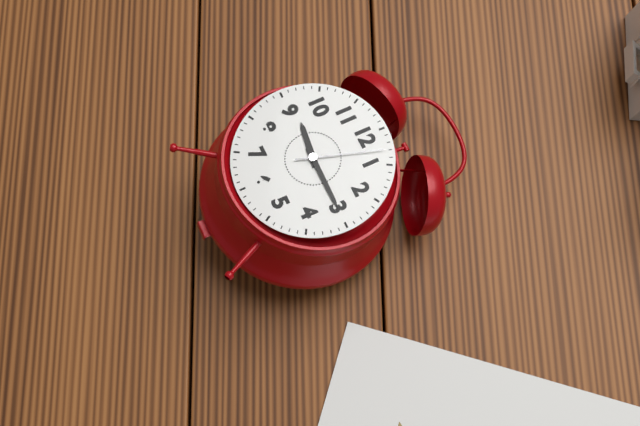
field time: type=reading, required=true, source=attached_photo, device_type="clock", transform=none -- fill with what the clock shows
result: 9:15:03
